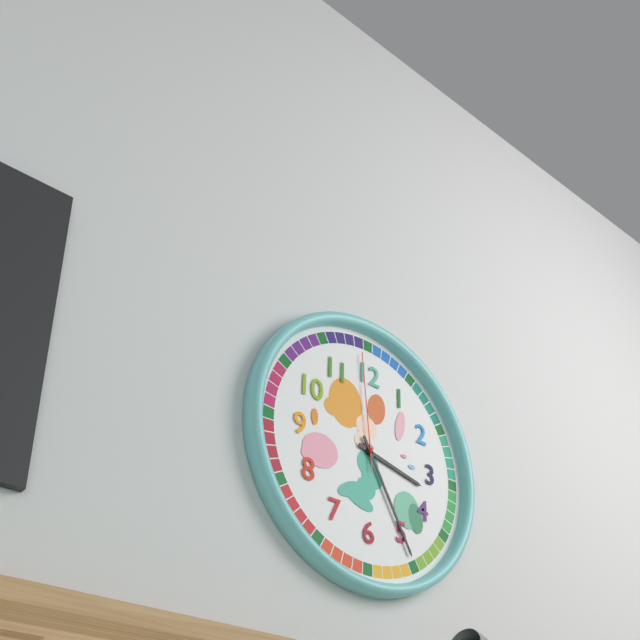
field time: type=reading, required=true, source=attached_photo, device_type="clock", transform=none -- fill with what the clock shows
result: 3:25:59
